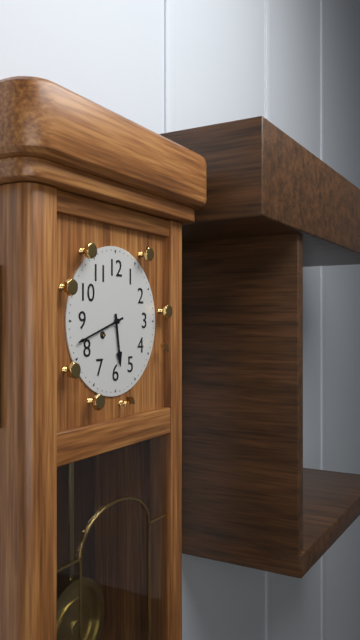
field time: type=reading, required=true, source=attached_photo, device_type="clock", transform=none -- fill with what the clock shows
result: 5:42
